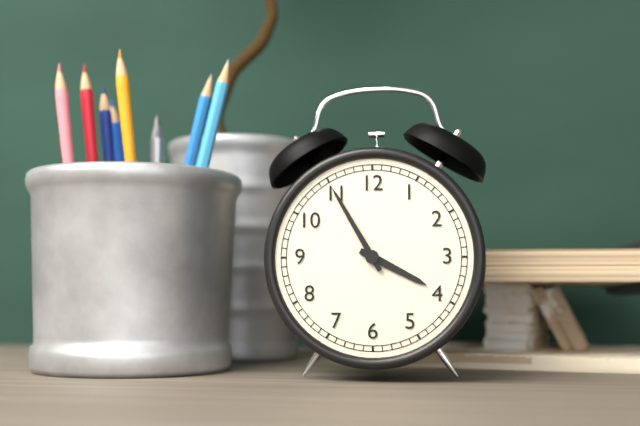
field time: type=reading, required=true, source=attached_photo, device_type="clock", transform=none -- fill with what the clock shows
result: 3:55
